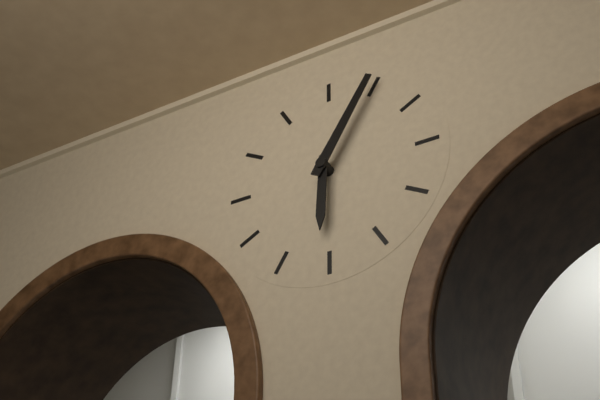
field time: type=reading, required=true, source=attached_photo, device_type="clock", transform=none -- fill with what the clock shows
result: 6:05
